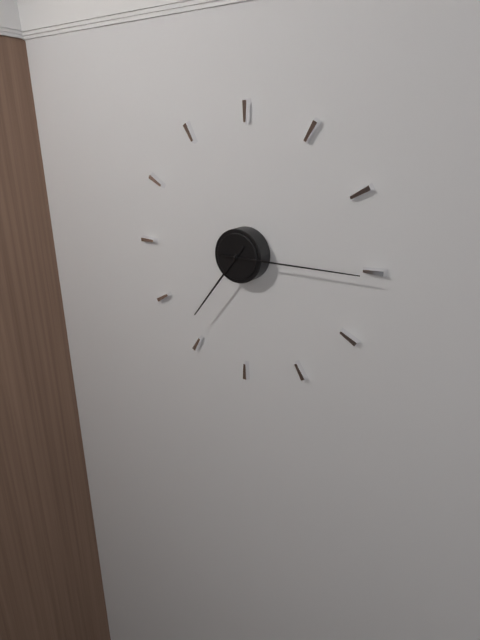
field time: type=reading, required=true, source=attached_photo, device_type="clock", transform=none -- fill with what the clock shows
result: 7:15
